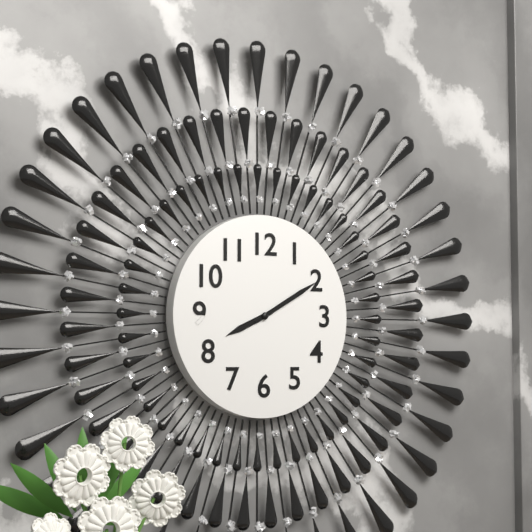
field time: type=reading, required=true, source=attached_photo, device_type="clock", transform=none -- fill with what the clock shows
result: 8:10
